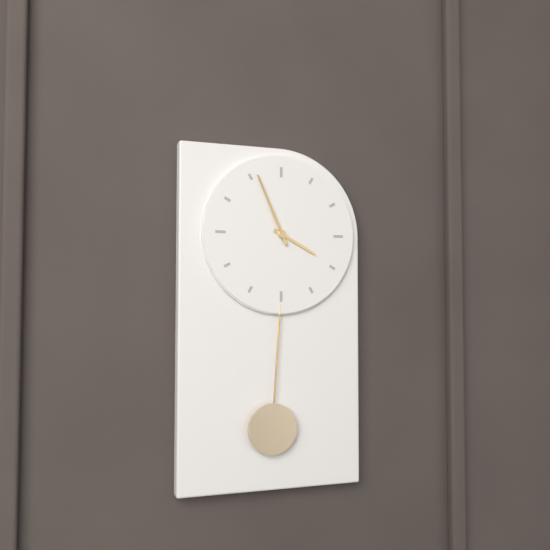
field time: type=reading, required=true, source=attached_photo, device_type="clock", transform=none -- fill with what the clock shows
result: 3:56
